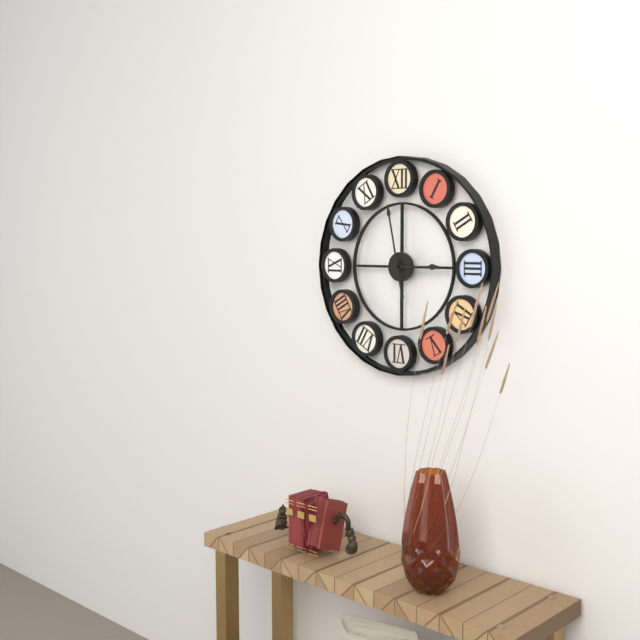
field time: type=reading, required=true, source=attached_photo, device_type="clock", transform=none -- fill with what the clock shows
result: 2:58
